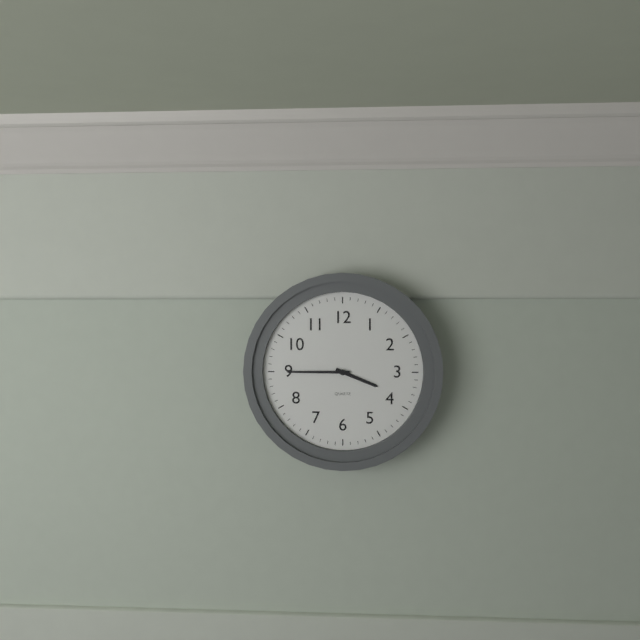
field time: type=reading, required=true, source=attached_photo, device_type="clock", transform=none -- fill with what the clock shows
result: 3:45
